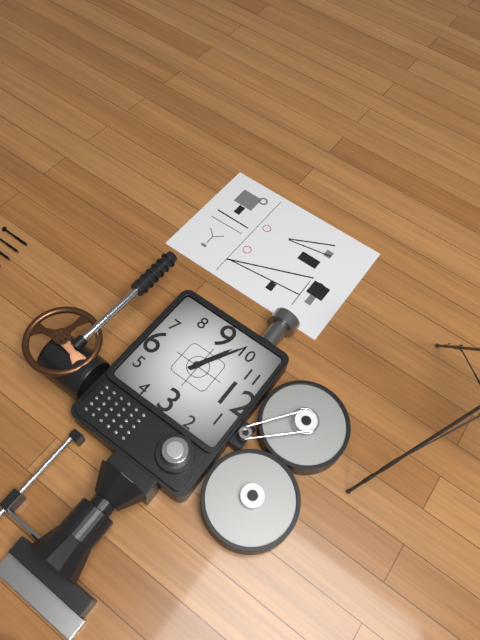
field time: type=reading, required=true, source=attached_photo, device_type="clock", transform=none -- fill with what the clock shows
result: 9:50
